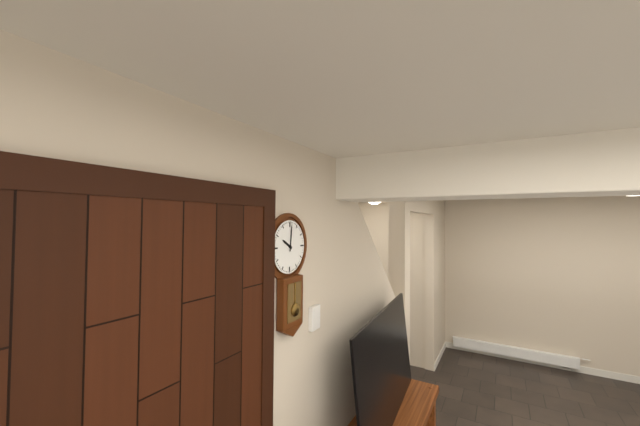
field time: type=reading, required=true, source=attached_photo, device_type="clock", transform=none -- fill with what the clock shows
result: 10:01
